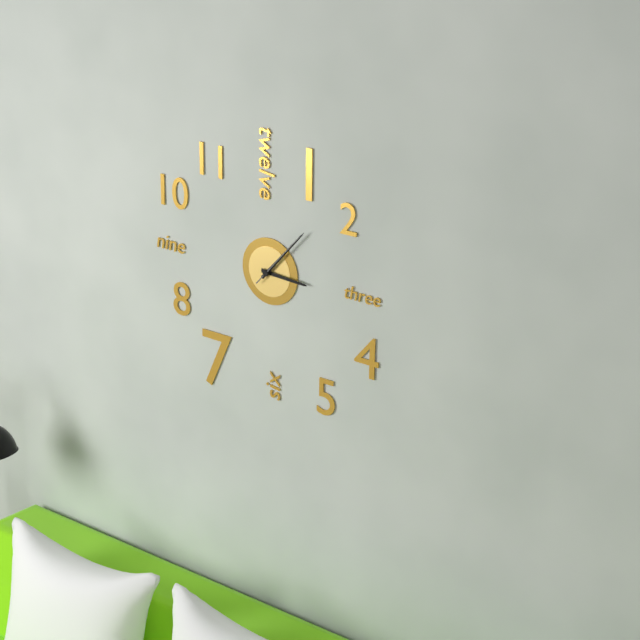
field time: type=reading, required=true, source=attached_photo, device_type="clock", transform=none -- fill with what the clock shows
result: 3:07:07
